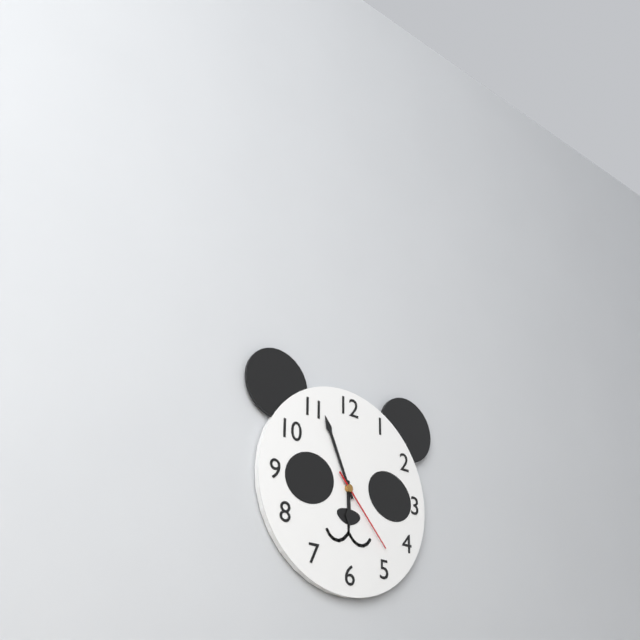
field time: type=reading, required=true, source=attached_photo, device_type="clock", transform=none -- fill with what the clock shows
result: 5:56:23
